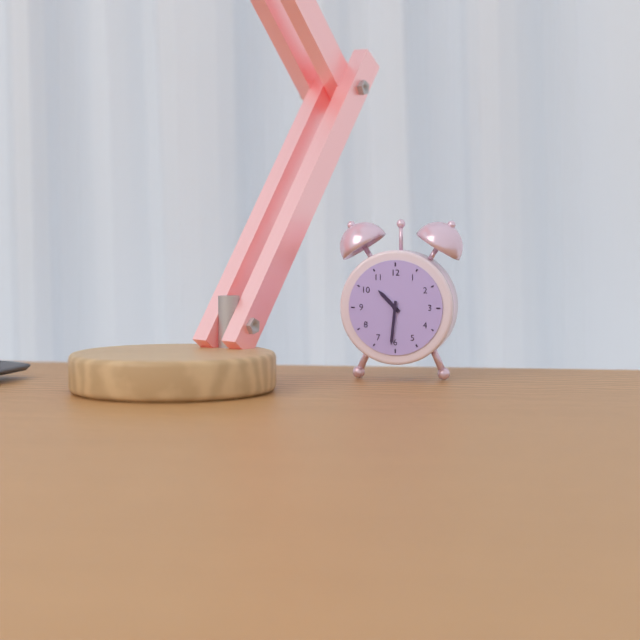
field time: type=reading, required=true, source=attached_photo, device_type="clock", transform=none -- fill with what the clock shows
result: 10:31
